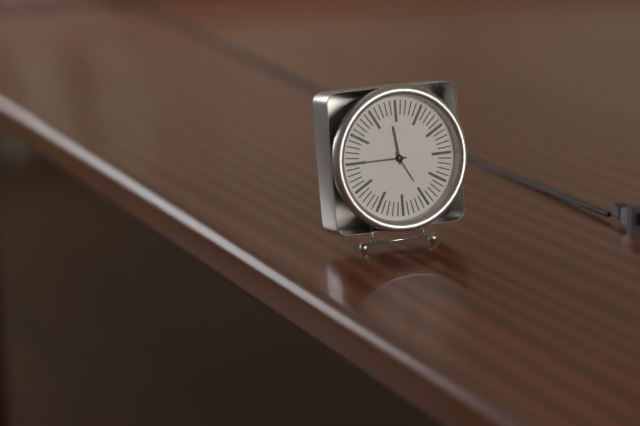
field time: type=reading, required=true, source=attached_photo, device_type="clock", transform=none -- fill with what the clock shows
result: 11:45
